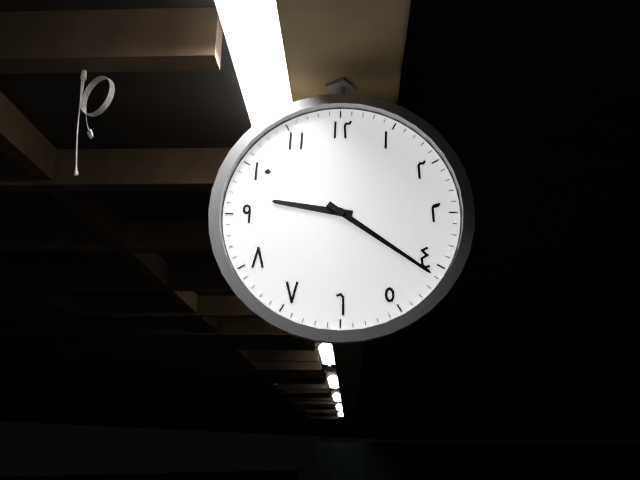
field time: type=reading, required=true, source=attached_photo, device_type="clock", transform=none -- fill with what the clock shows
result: 9:21
